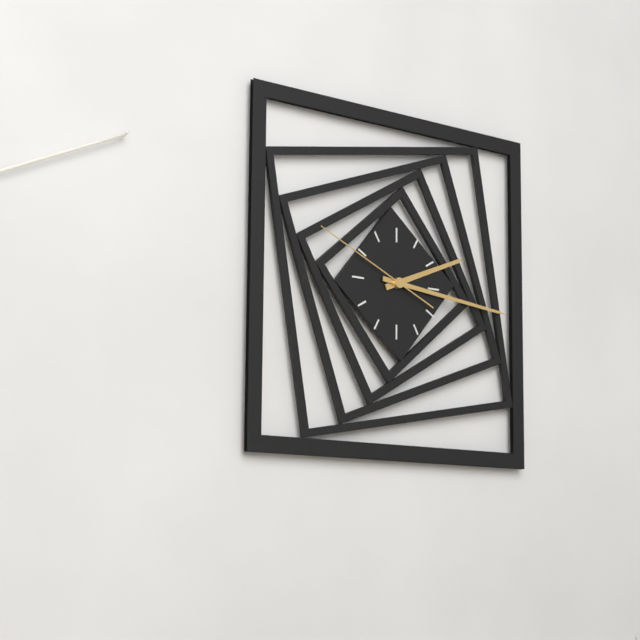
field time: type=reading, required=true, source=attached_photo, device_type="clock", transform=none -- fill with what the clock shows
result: 2:16:49
